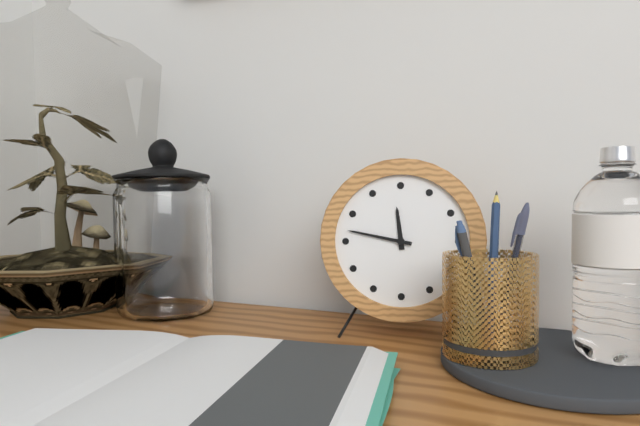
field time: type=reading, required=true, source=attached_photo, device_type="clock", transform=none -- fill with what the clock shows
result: 11:47
